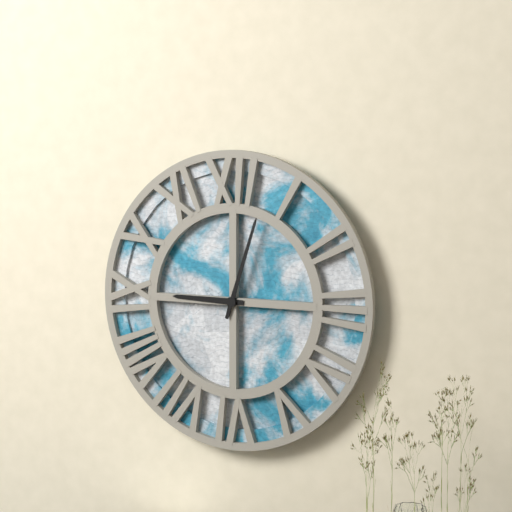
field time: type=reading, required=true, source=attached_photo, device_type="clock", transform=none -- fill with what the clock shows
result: 9:03
